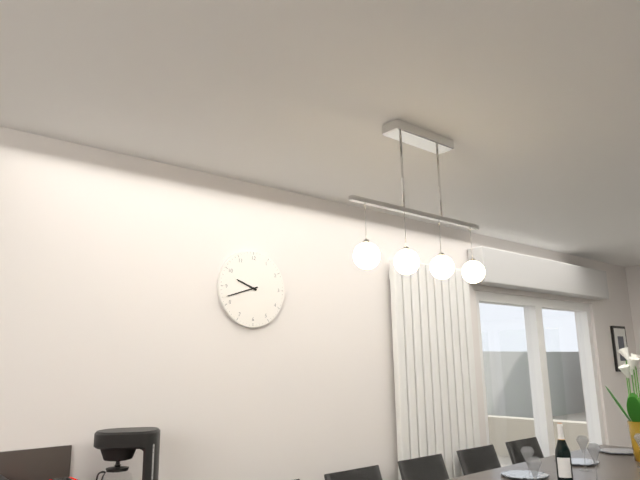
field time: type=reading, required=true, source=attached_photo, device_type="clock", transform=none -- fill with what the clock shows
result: 9:42
